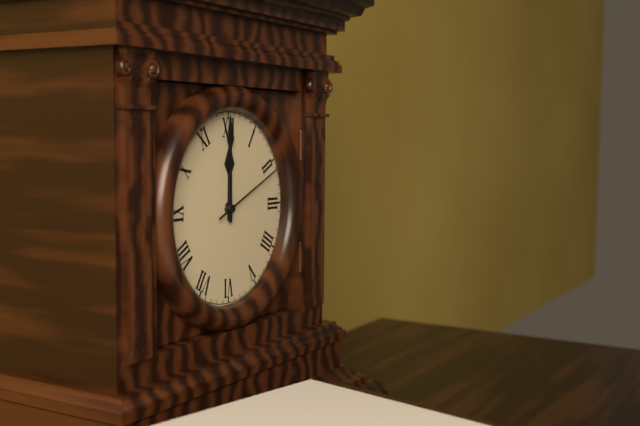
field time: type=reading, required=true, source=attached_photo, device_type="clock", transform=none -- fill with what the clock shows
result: 12:00:11
